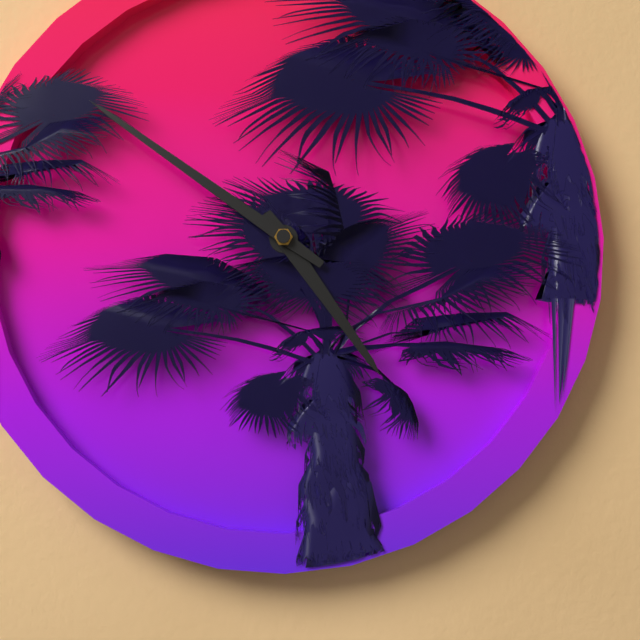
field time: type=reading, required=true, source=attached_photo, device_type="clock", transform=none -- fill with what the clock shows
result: 4:51
